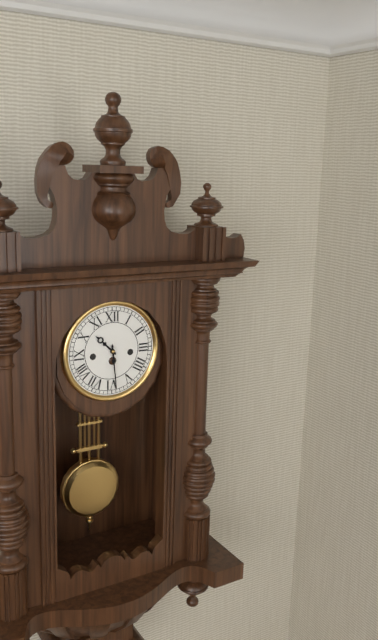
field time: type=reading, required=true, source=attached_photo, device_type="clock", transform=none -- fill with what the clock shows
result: 10:29
